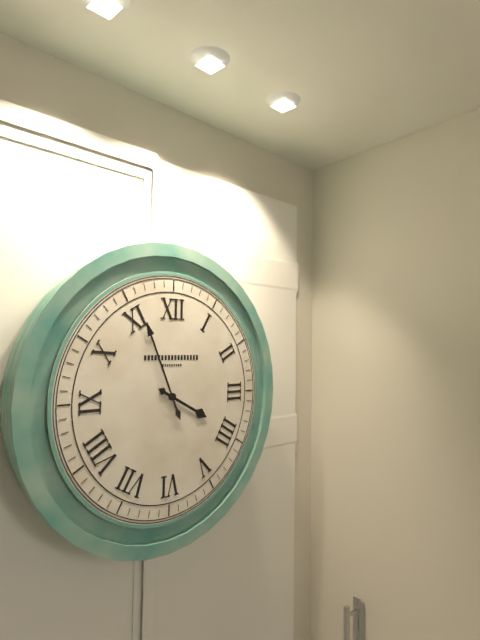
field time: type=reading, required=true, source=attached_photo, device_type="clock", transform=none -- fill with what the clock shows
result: 3:56
